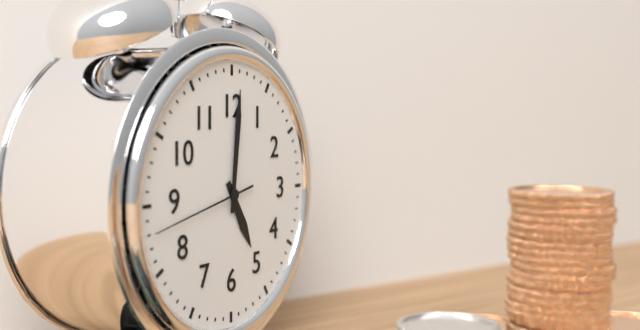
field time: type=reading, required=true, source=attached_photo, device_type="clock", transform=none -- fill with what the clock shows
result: 5:01:43
